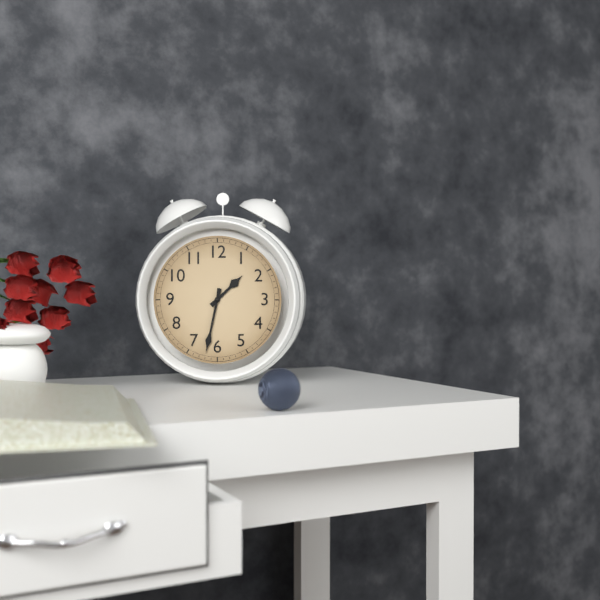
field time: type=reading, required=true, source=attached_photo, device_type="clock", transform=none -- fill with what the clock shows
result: 1:32
